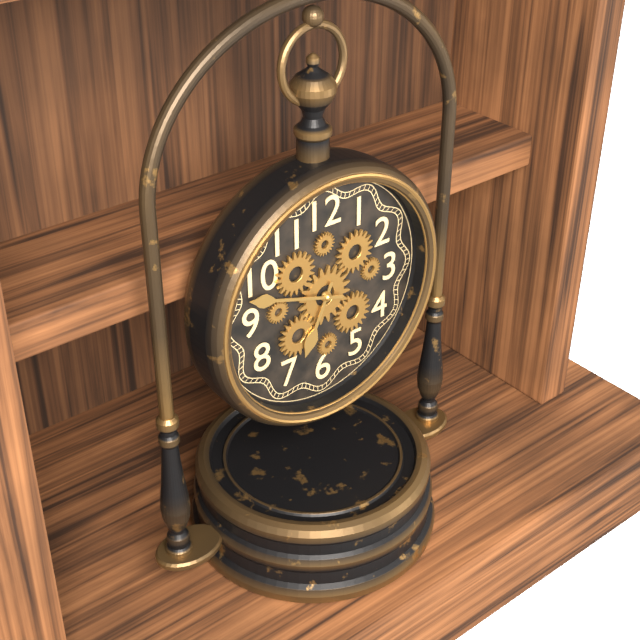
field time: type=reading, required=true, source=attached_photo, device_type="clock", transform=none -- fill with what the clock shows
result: 6:48
